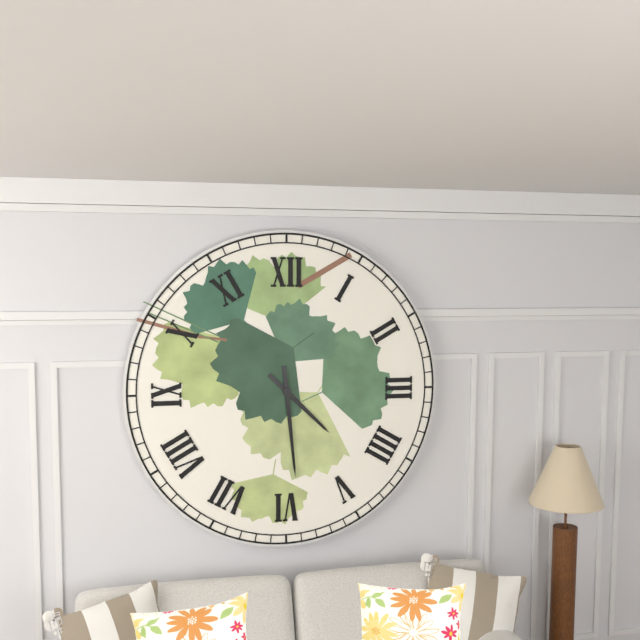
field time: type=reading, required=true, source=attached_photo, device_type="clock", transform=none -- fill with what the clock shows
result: 4:29
